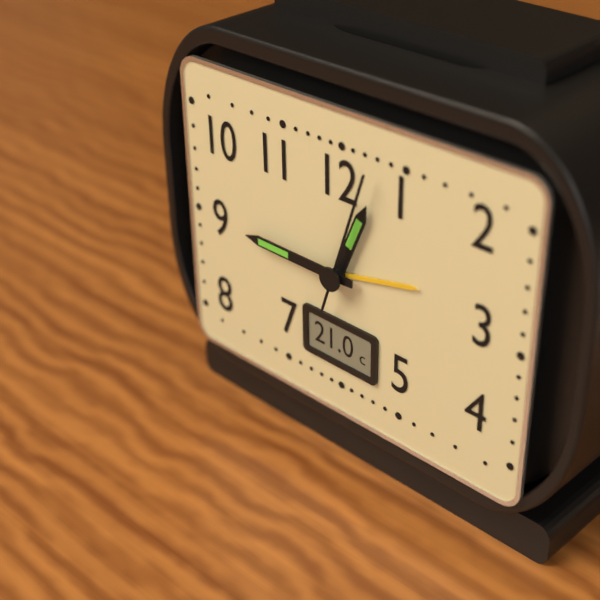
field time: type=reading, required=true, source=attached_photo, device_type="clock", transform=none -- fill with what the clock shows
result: 12:45:03
